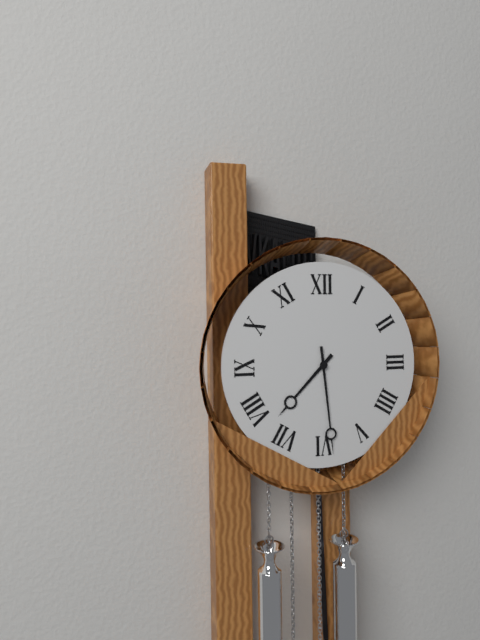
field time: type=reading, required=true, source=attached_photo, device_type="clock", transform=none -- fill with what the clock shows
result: 7:29
